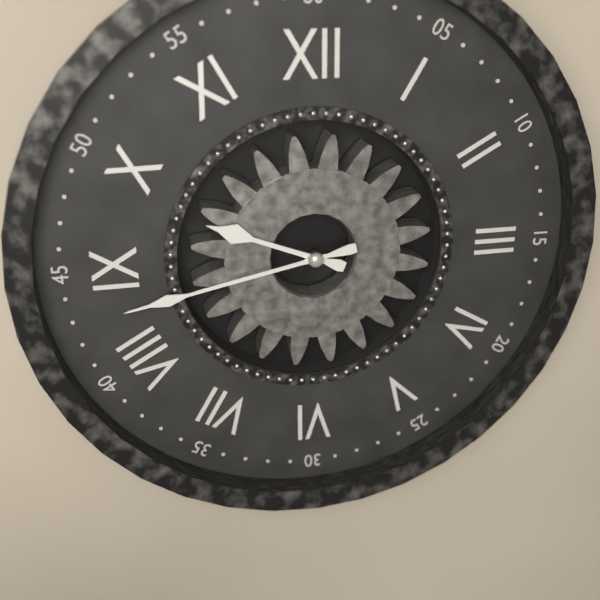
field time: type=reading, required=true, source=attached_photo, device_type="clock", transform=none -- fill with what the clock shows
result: 9:43
